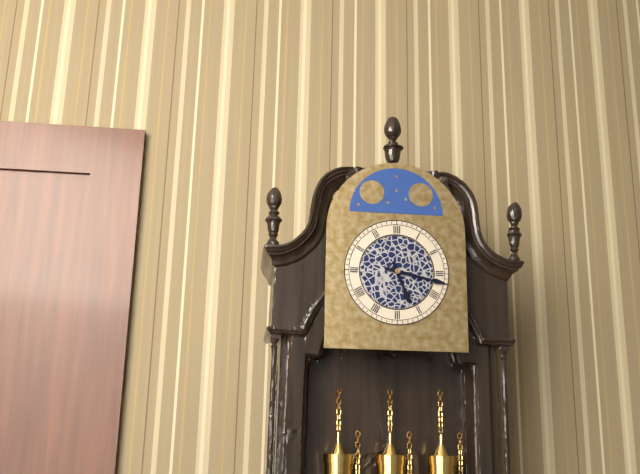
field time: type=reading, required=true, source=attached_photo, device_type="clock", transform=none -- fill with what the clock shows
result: 5:17
